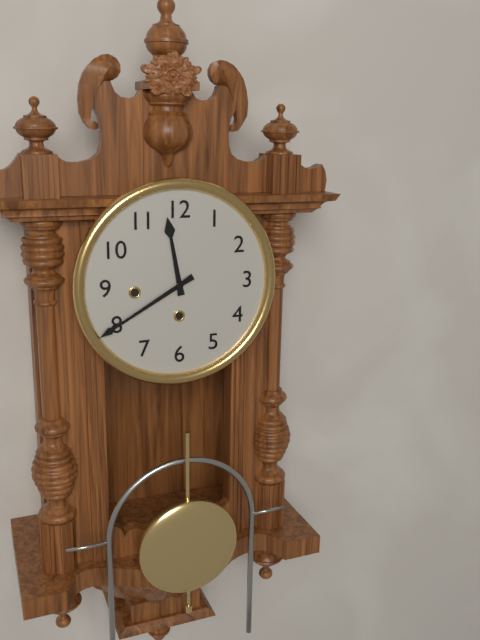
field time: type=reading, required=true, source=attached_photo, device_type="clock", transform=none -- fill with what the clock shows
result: 11:40
